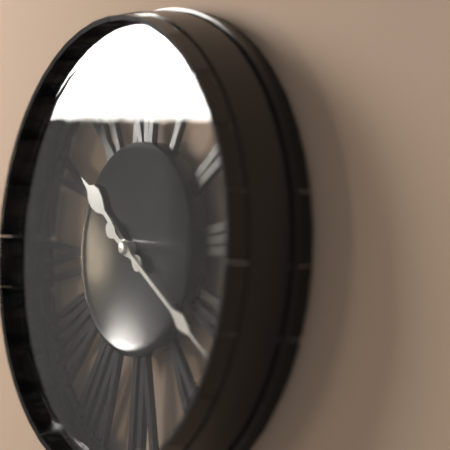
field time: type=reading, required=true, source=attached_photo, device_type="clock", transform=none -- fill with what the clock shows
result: 10:21
